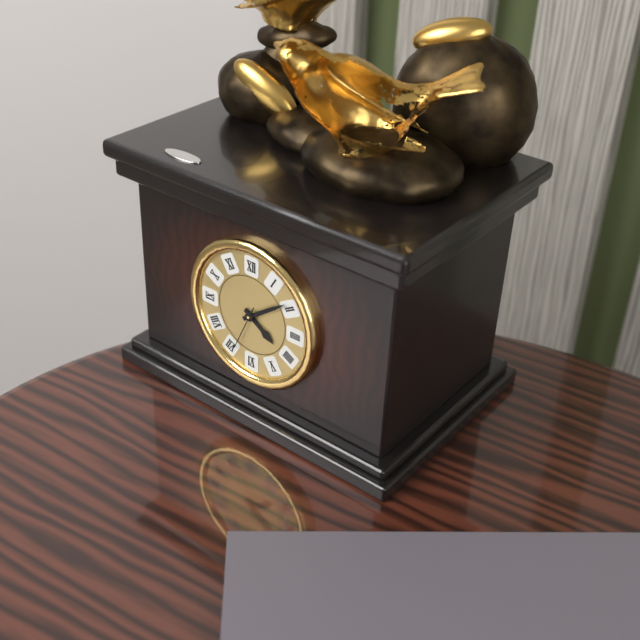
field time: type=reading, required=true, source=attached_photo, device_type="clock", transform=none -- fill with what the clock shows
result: 4:09
